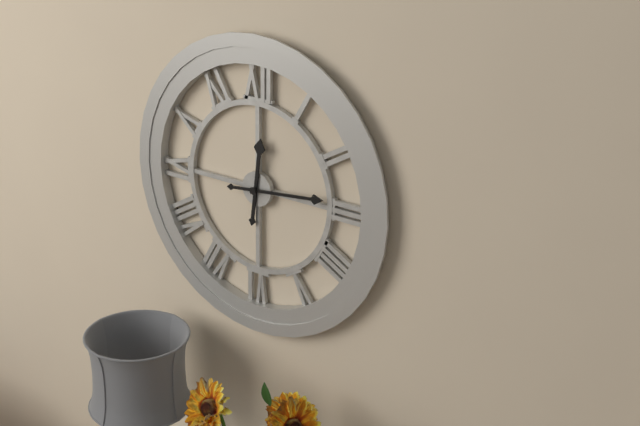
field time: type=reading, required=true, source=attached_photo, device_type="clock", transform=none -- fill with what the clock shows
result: 12:14
